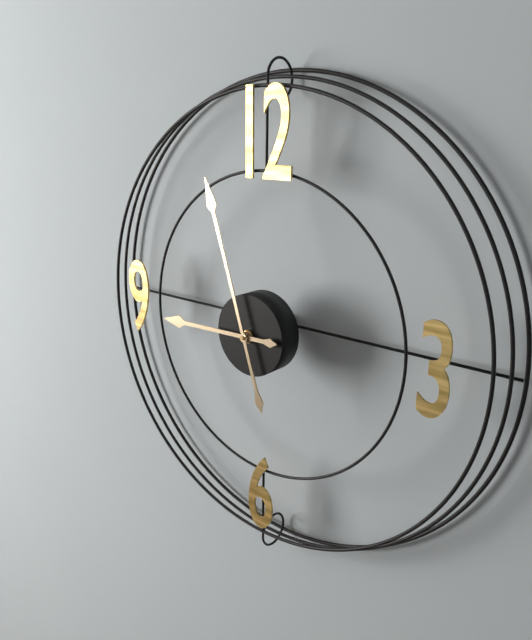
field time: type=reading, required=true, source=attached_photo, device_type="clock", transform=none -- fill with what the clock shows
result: 8:57
